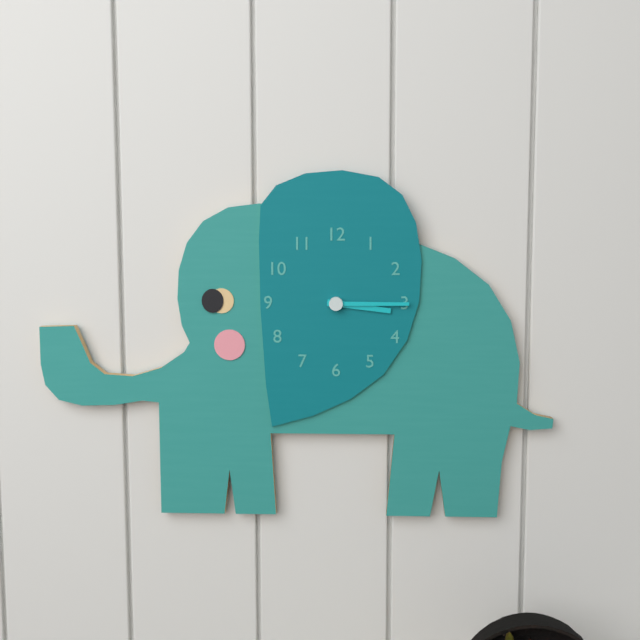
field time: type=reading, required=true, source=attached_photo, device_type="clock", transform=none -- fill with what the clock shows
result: 3:15
